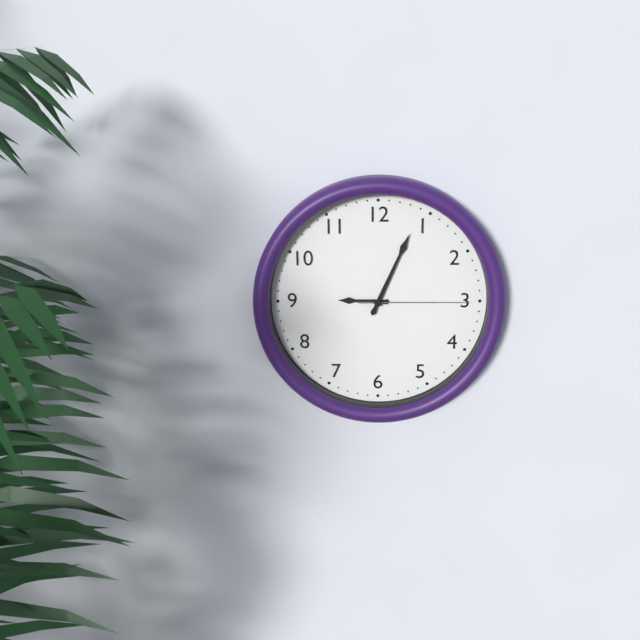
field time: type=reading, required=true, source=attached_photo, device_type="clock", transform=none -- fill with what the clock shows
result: 9:04:15
